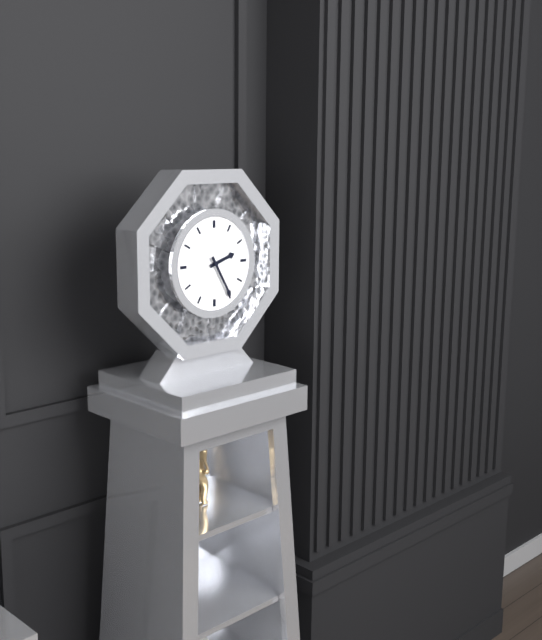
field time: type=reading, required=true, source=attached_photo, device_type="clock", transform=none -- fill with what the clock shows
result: 2:25
